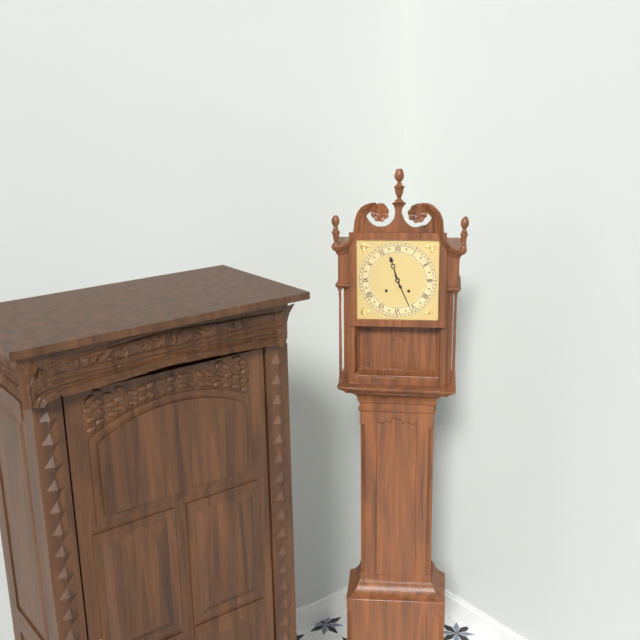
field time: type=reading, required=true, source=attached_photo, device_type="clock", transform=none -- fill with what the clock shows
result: 11:26
